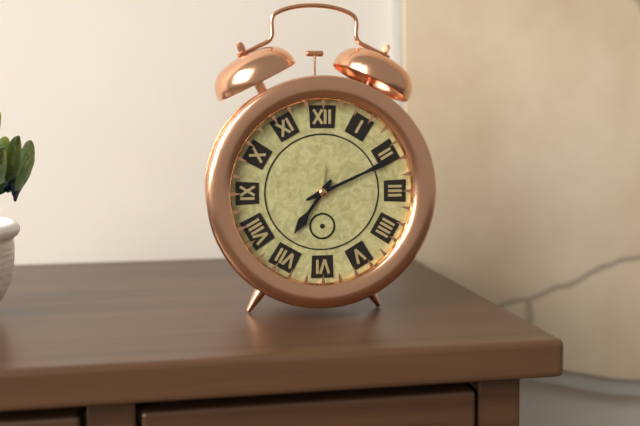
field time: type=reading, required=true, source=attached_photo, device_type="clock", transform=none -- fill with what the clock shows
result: 7:11
